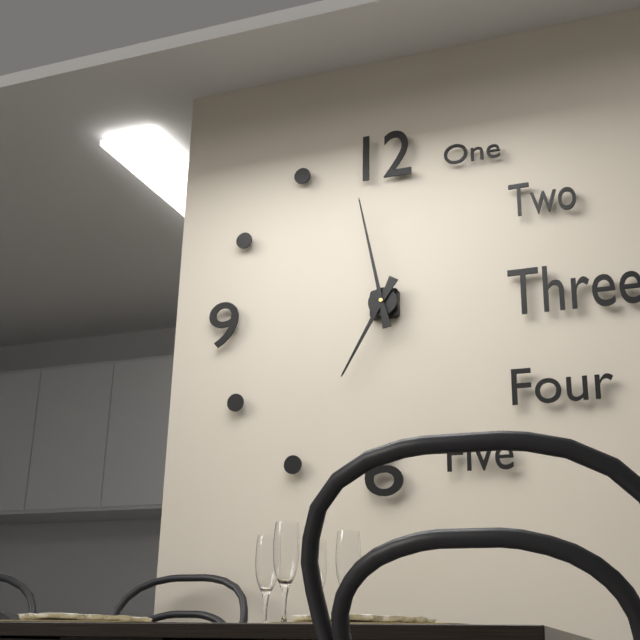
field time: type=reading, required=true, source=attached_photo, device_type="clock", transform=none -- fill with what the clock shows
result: 6:58
